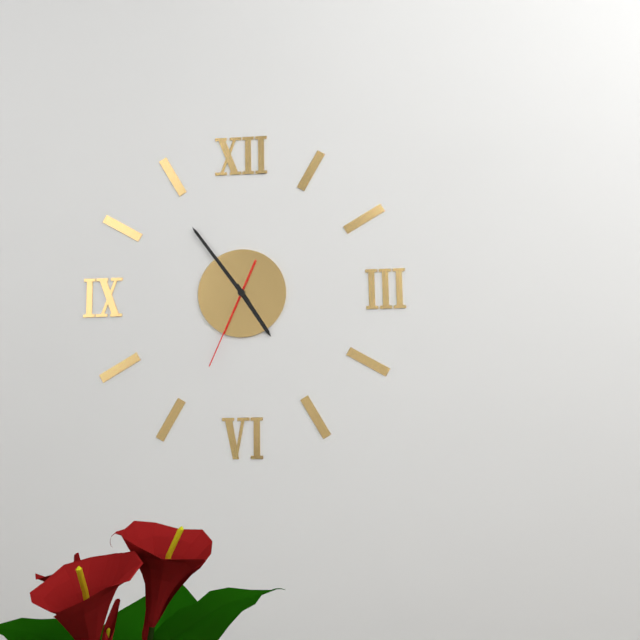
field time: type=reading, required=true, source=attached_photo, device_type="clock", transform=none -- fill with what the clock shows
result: 4:54:34
